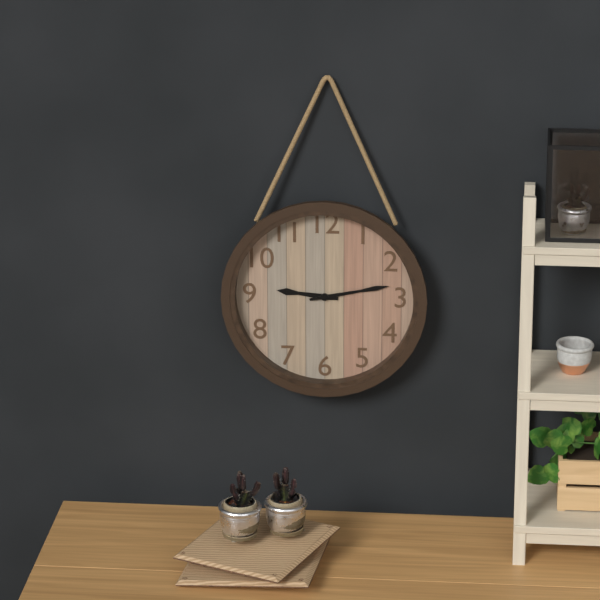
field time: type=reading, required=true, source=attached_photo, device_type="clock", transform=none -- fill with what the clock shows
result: 9:13
